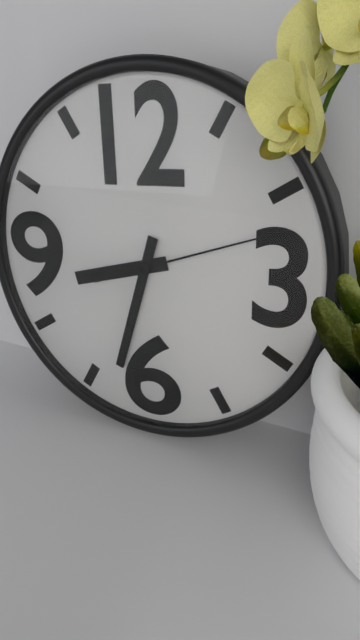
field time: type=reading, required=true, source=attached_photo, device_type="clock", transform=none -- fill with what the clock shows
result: 8:33:12
